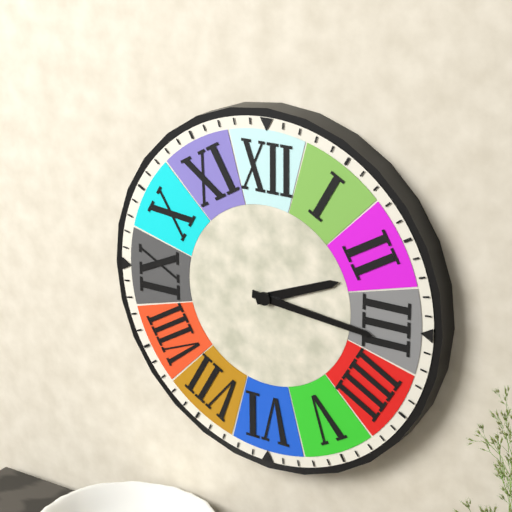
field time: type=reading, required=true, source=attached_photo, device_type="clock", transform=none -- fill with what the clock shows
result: 2:16
